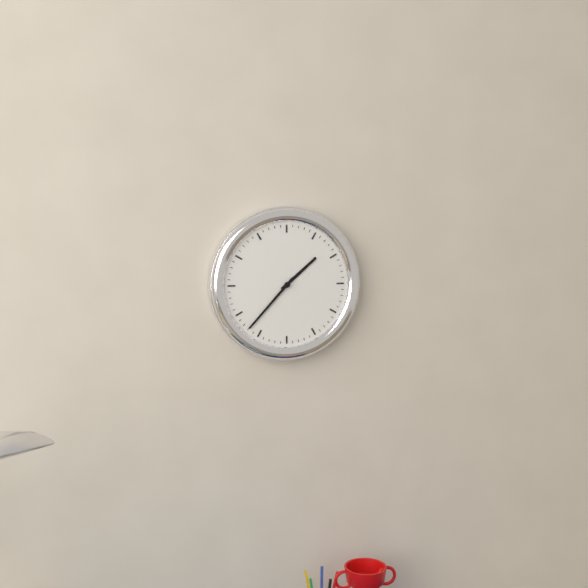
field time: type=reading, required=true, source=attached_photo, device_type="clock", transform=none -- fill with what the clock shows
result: 1:37
